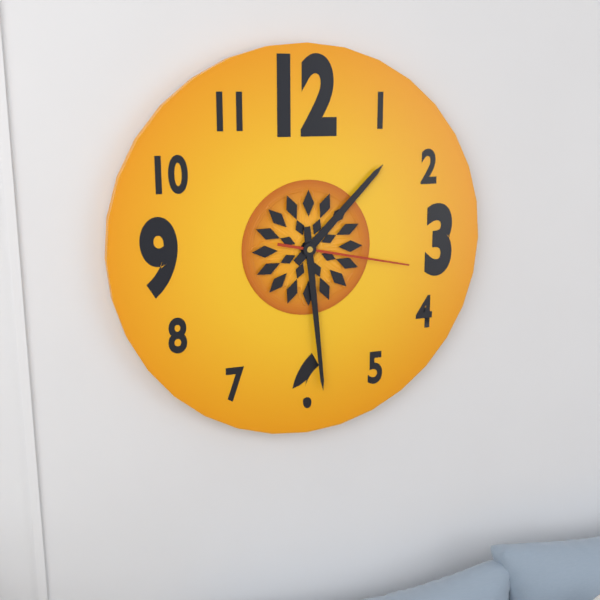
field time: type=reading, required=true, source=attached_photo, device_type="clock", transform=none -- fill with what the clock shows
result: 1:29:17
